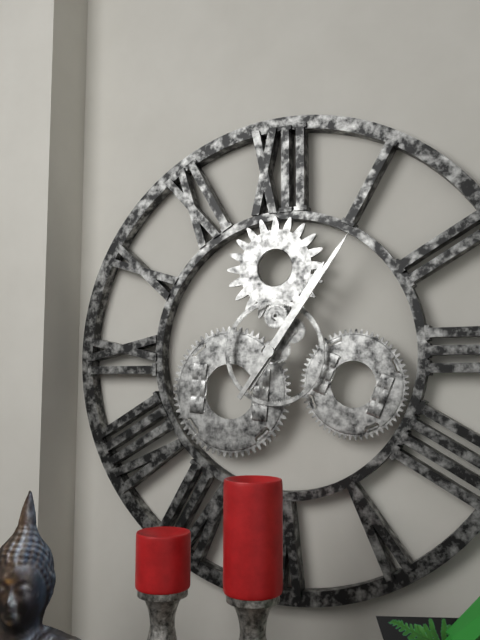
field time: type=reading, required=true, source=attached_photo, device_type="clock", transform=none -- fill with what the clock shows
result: 1:06
